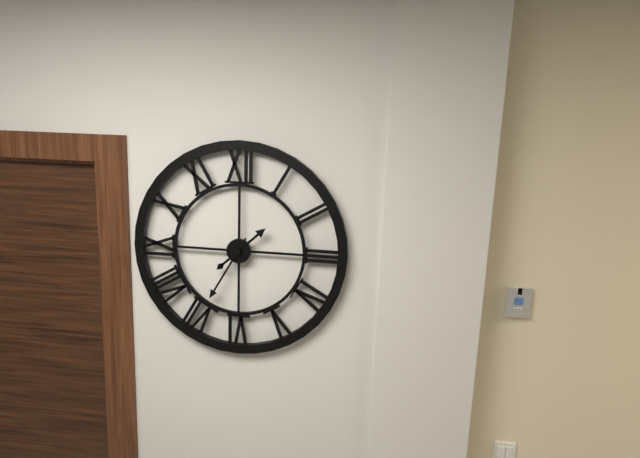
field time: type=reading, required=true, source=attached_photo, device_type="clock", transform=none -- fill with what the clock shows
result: 1:35
